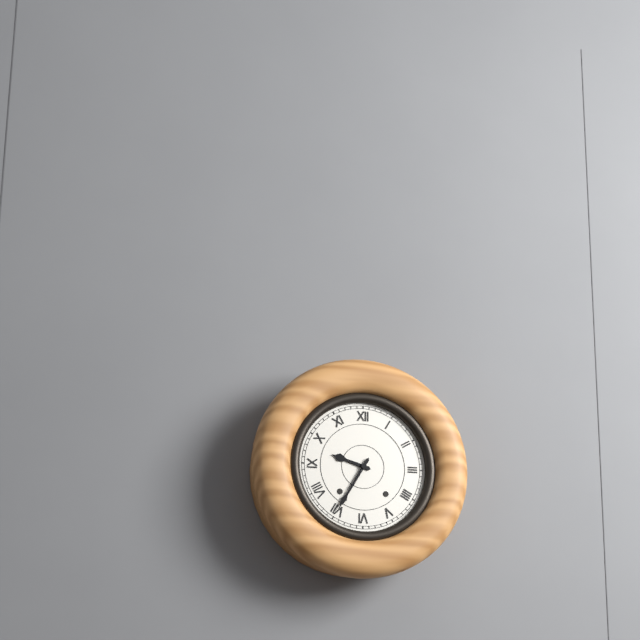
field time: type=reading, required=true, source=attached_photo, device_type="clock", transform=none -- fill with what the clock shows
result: 9:35
